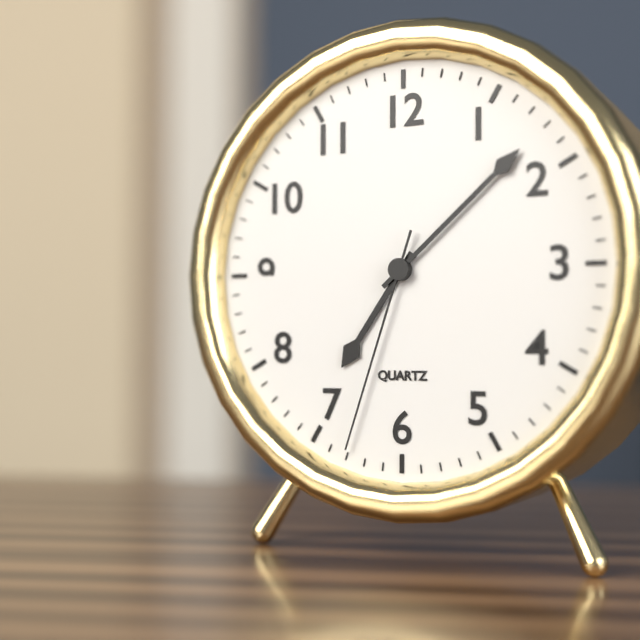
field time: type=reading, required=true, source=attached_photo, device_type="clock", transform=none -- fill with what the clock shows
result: 7:08:33
